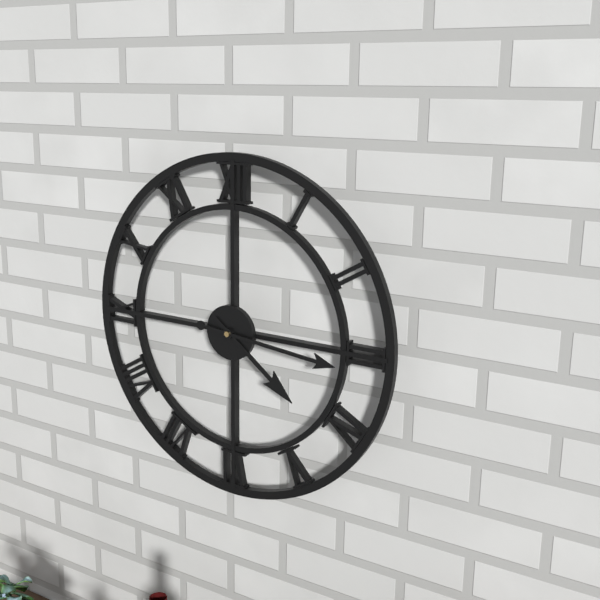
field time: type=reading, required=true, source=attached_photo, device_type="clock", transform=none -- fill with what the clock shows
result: 4:16
